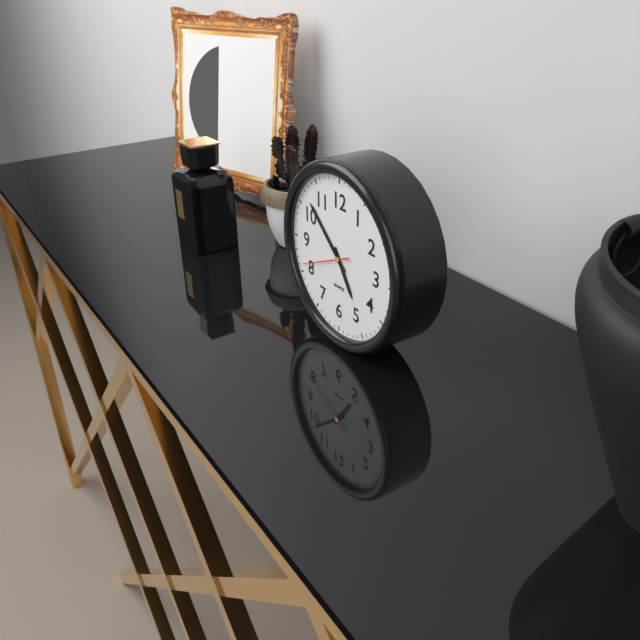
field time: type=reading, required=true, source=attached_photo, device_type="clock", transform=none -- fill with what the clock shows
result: 4:52
